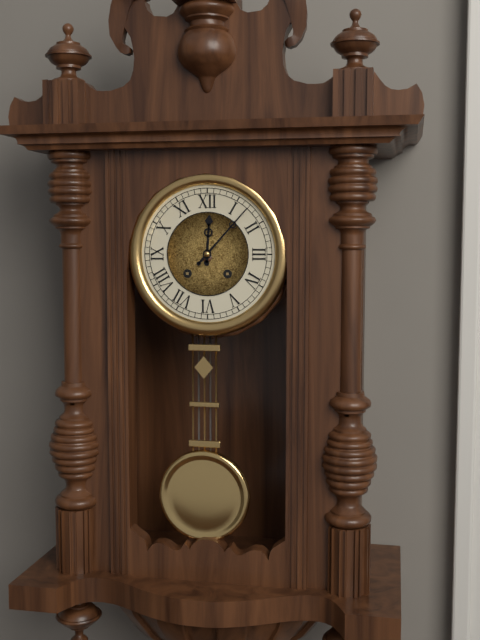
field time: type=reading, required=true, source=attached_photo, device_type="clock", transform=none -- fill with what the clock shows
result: 12:07
